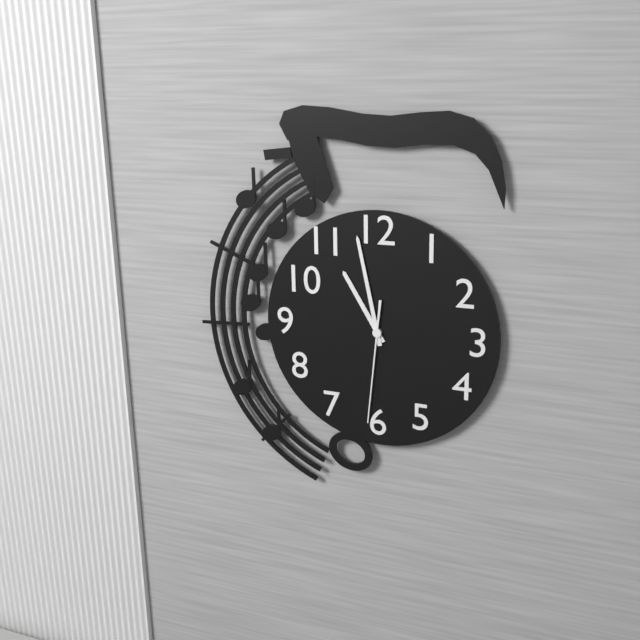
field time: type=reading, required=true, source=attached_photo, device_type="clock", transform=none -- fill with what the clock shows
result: 10:58:31
